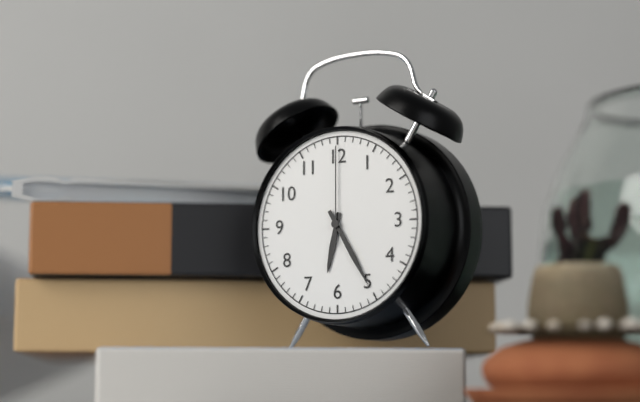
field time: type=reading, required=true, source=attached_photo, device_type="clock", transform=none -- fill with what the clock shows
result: 6:25:00
